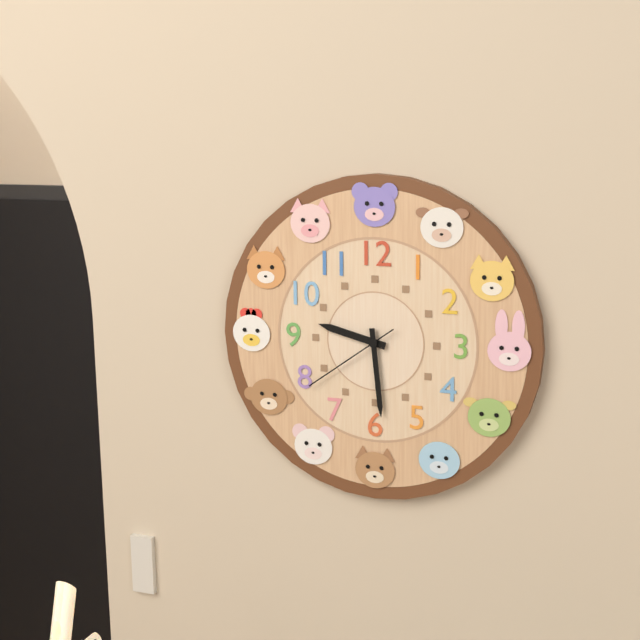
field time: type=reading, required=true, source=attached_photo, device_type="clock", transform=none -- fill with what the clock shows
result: 9:29:39
